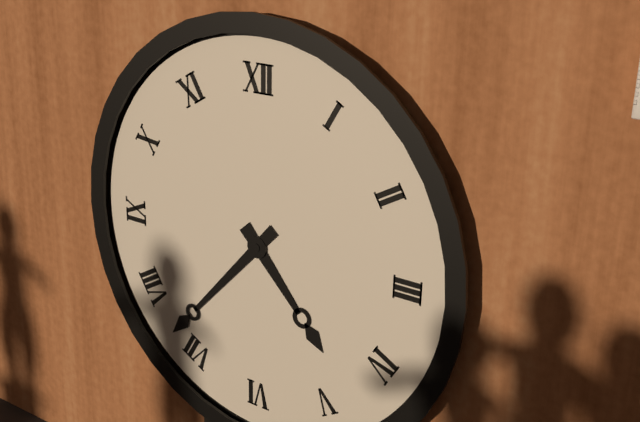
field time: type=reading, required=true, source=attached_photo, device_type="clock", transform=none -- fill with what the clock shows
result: 4:37
